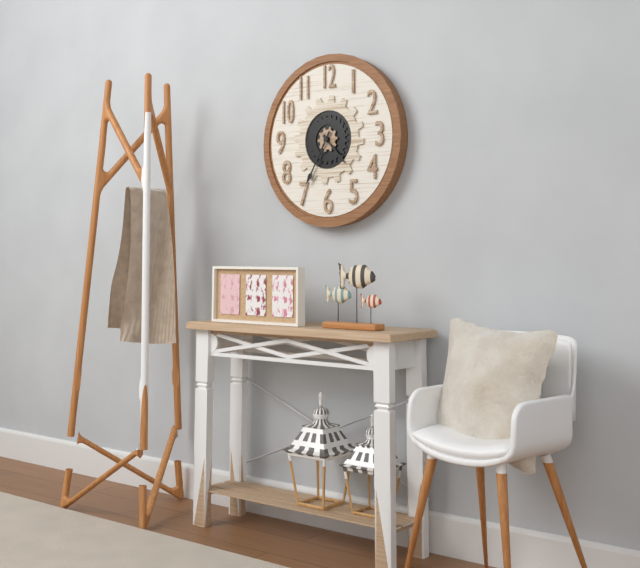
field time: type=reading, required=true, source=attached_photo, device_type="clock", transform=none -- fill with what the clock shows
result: 4:35
